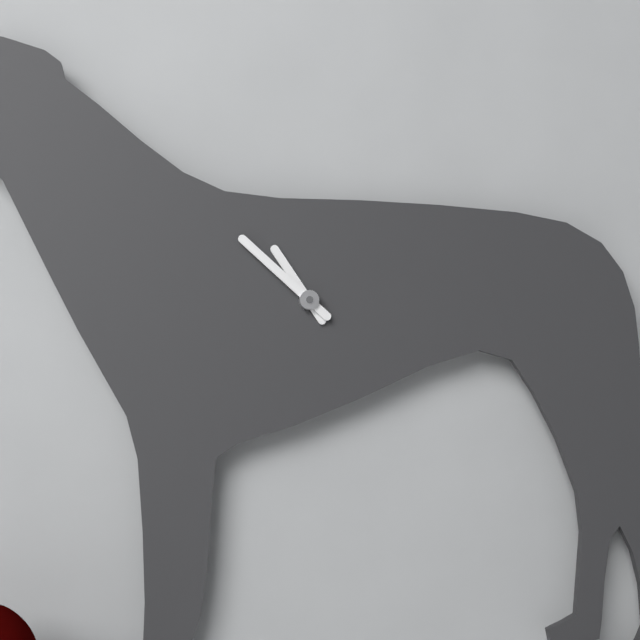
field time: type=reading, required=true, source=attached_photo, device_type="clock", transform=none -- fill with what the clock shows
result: 10:52
